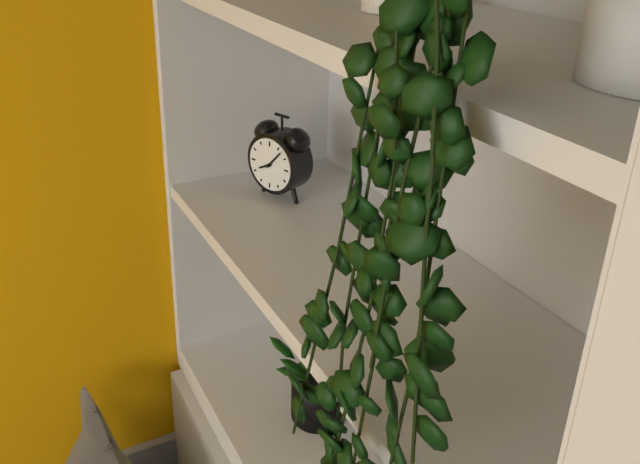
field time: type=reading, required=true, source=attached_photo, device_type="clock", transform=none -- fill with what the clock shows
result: 8:07
